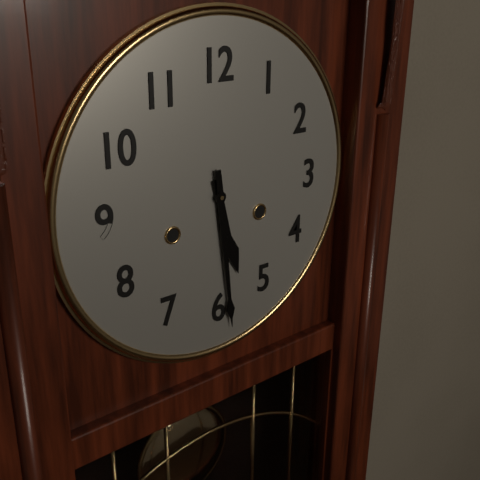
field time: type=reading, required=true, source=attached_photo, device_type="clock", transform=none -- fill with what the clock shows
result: 5:29
